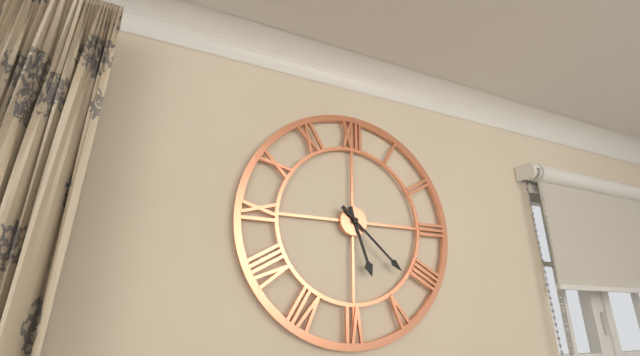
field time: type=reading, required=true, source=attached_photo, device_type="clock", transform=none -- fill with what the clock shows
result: 5:22
